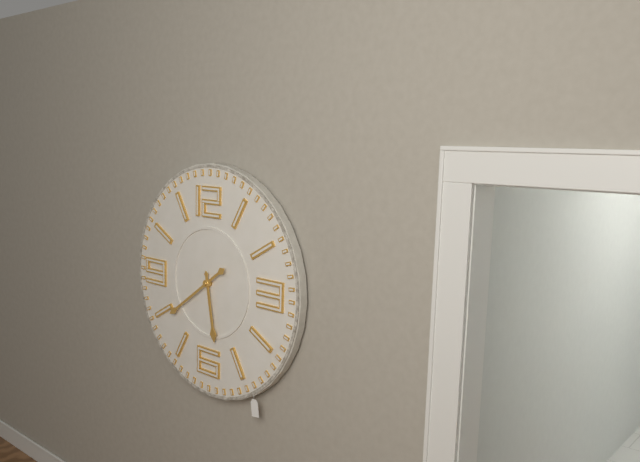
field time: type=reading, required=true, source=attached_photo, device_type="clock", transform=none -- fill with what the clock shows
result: 5:39
